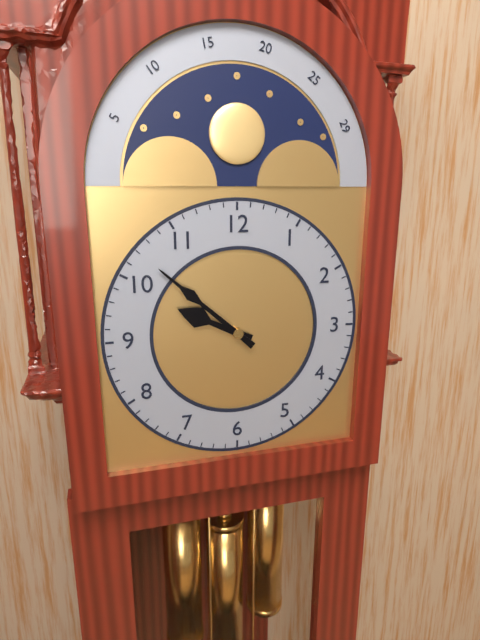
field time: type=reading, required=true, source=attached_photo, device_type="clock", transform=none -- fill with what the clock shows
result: 9:52
